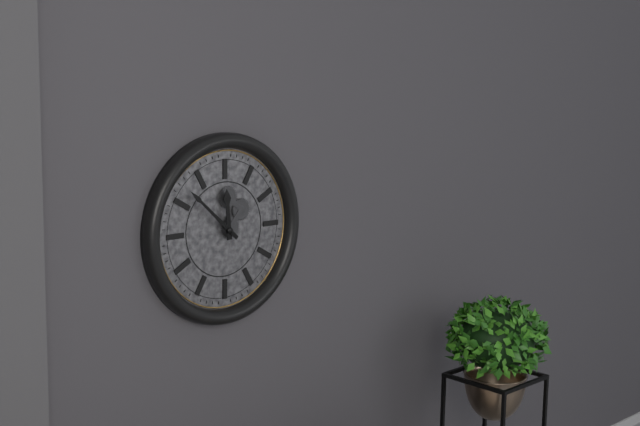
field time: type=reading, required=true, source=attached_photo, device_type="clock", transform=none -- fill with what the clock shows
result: 11:52
